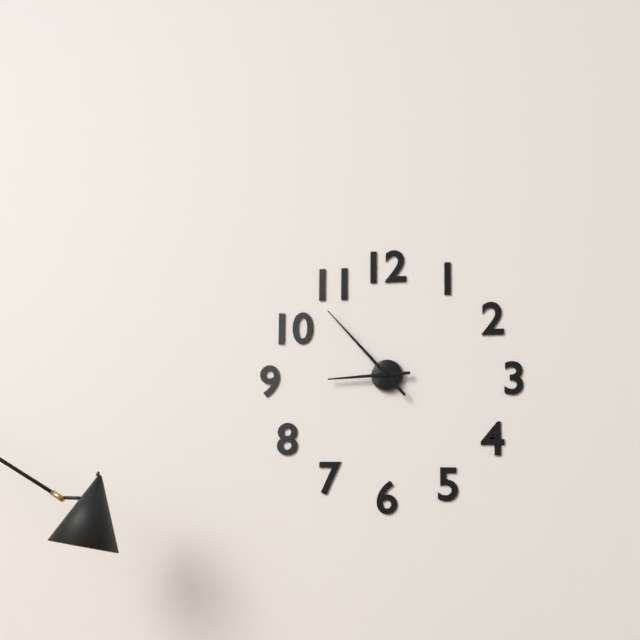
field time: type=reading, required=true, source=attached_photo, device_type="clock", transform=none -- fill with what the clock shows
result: 8:53
